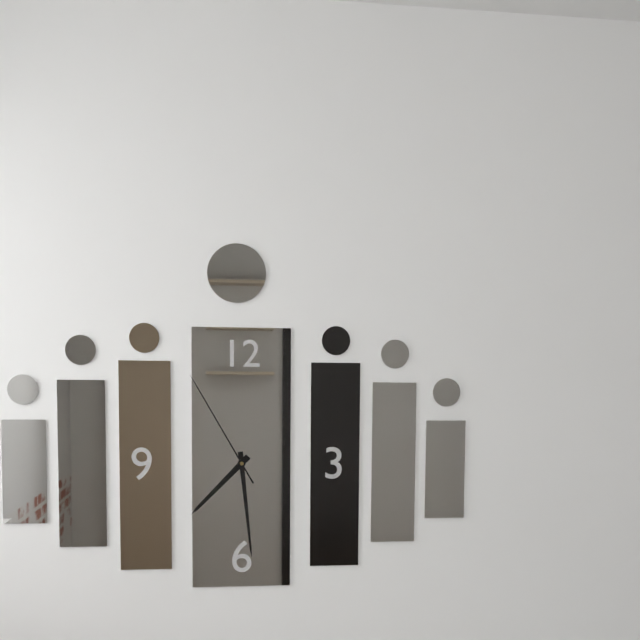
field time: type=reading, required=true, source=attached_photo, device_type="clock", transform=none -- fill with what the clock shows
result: 7:29:55
